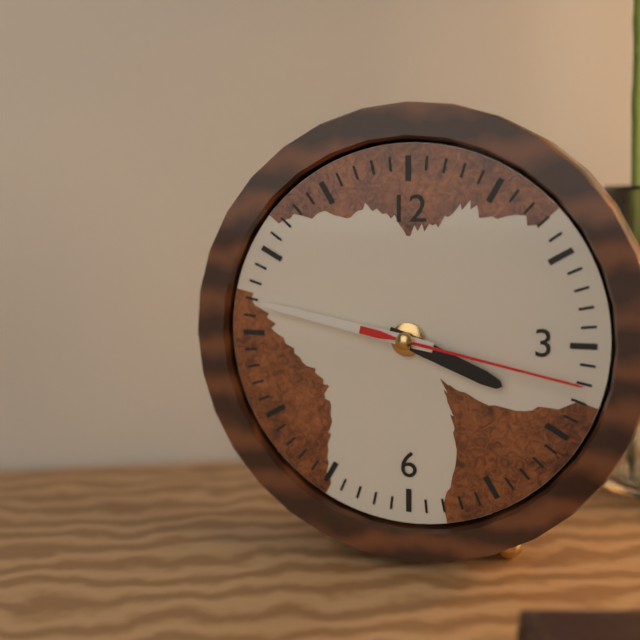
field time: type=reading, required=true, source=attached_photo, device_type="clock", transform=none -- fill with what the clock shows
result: 3:47:17
